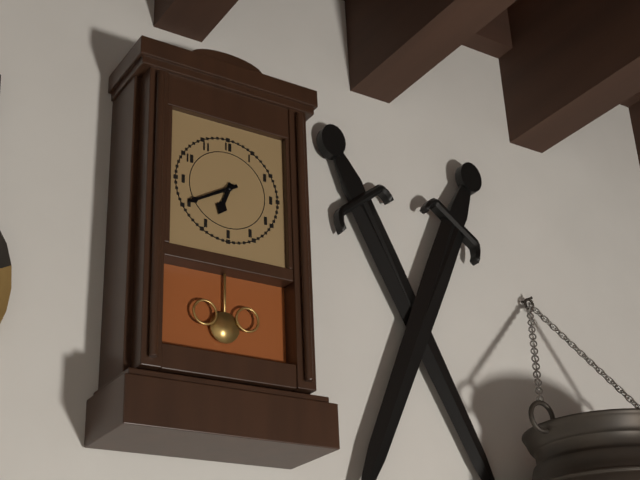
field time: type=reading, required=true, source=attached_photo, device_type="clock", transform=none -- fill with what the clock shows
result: 6:40
